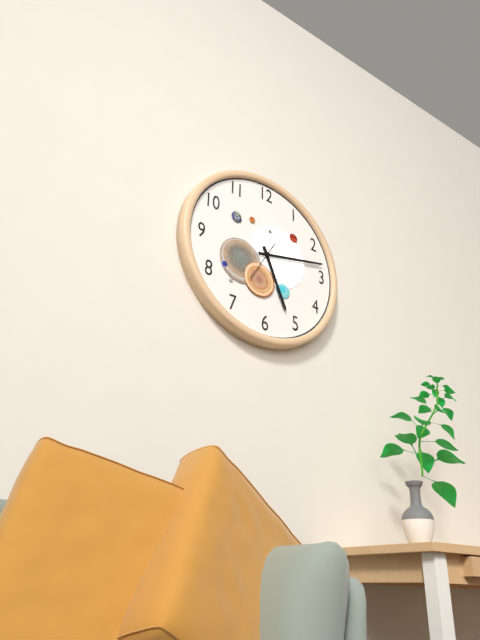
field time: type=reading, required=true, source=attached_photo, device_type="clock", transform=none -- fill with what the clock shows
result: 5:13
